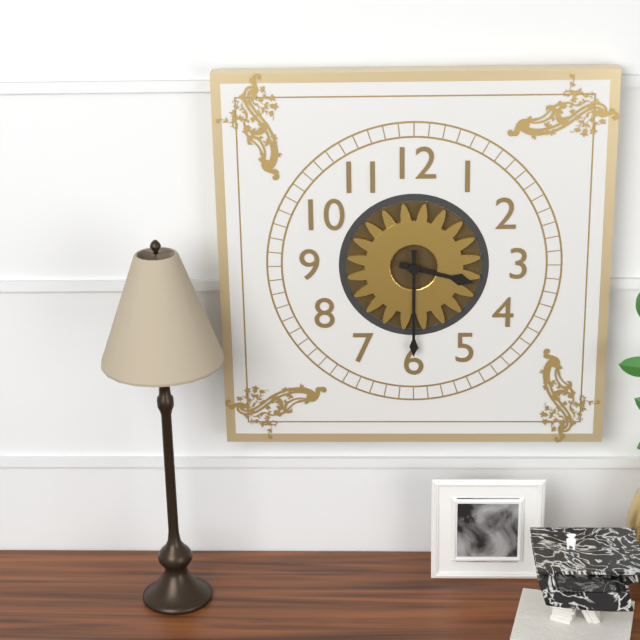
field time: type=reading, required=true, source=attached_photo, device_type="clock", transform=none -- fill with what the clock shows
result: 3:30
